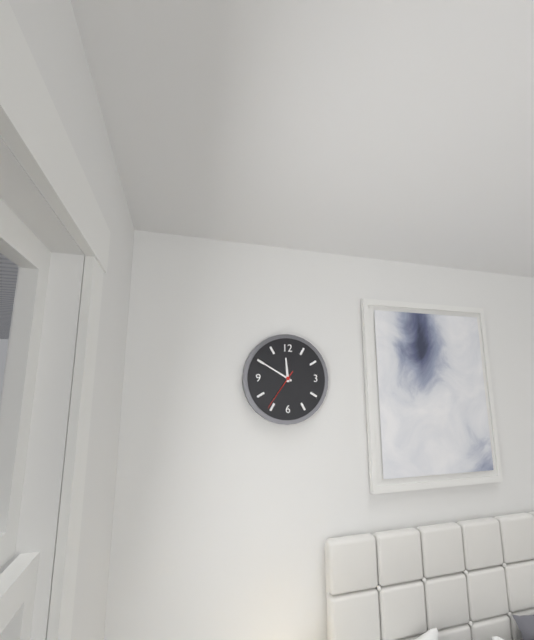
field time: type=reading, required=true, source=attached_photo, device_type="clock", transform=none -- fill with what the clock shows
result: 11:50
